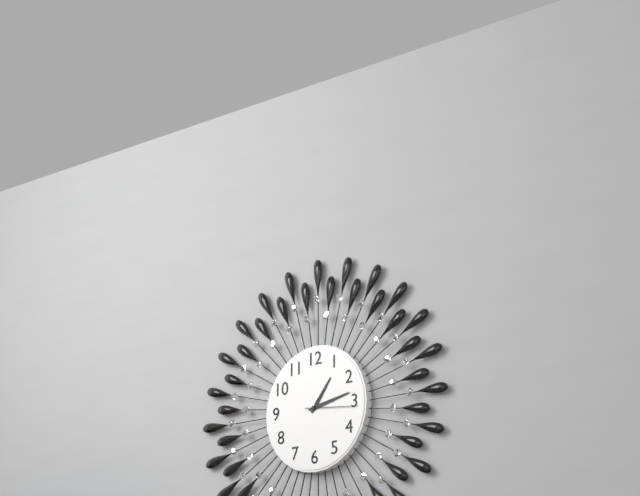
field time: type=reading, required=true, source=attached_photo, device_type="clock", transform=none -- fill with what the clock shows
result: 1:13:16
